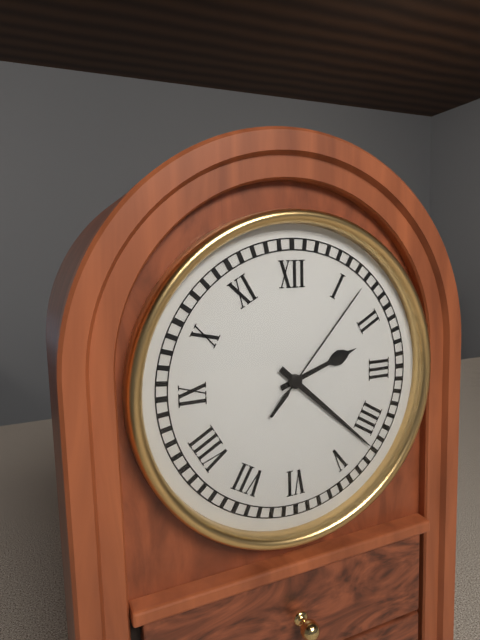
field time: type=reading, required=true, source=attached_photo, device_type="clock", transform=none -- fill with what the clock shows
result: 2:22:07
